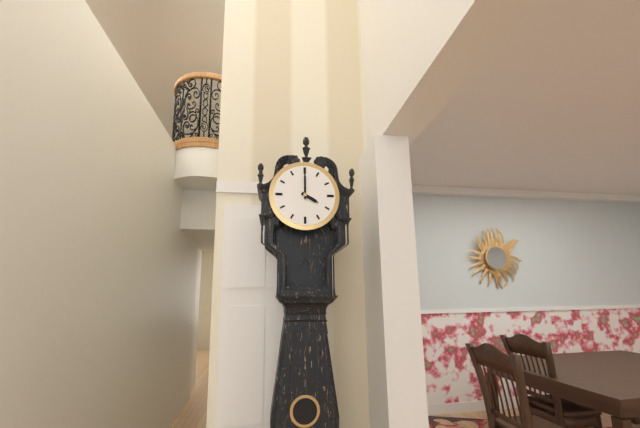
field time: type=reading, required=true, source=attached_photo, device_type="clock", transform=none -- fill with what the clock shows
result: 4:00
